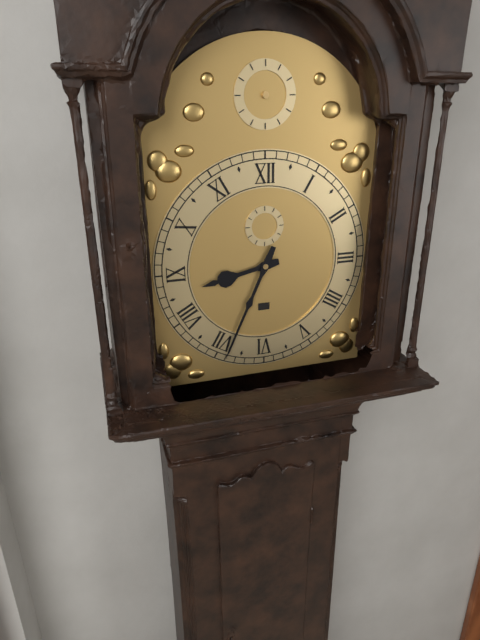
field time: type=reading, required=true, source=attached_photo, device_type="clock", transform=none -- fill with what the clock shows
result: 8:34
